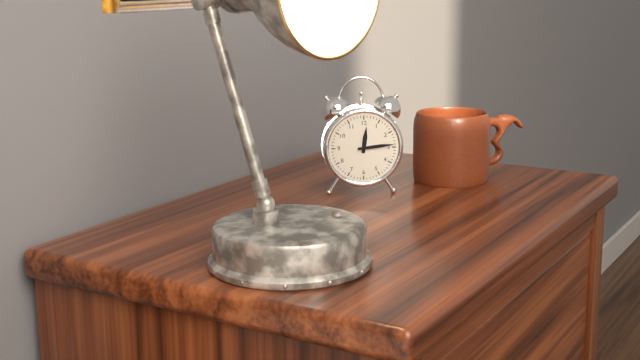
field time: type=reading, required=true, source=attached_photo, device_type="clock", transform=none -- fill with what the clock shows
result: 12:14
